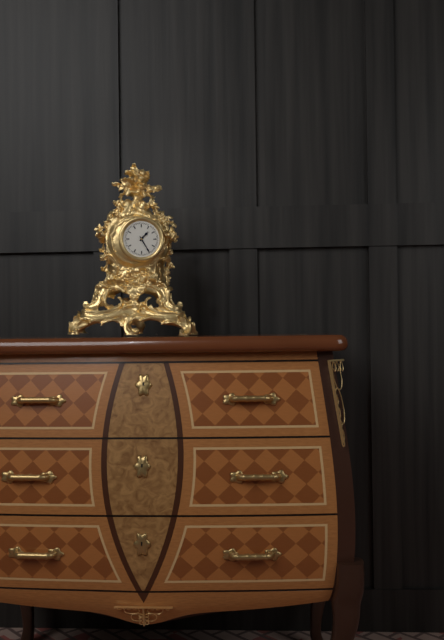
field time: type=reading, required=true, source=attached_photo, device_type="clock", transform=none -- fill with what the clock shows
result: 1:25
